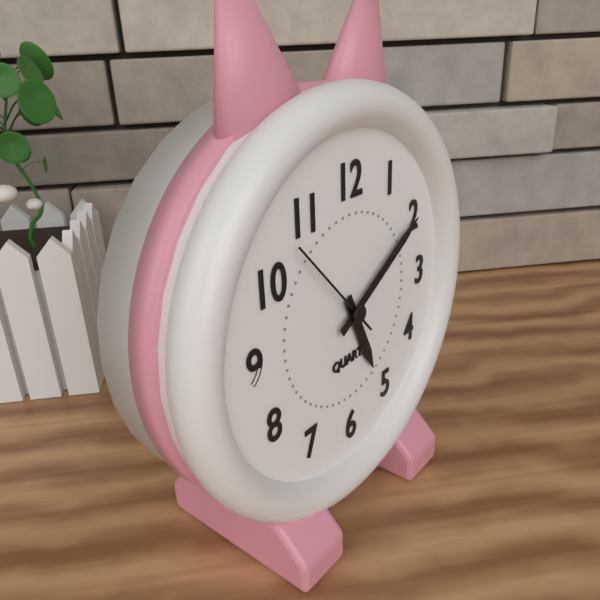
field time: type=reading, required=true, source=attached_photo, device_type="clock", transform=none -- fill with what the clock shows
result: 5:10:53
